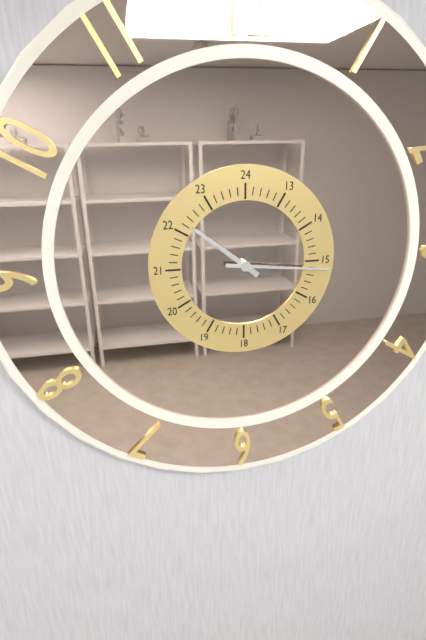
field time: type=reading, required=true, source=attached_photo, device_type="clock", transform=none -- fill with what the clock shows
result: 10:16
